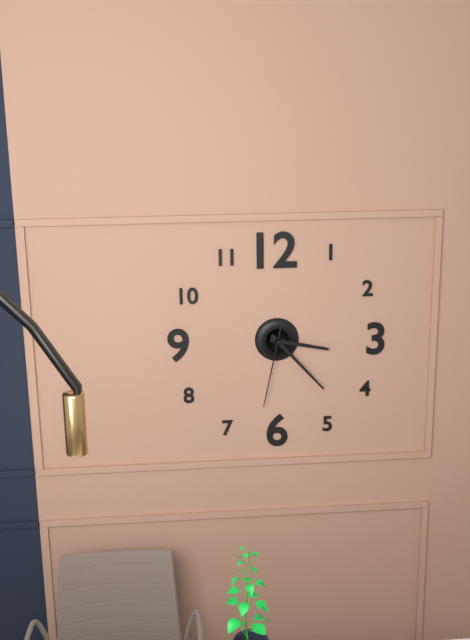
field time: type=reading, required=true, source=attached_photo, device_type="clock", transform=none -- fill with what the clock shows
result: 3:23:32
